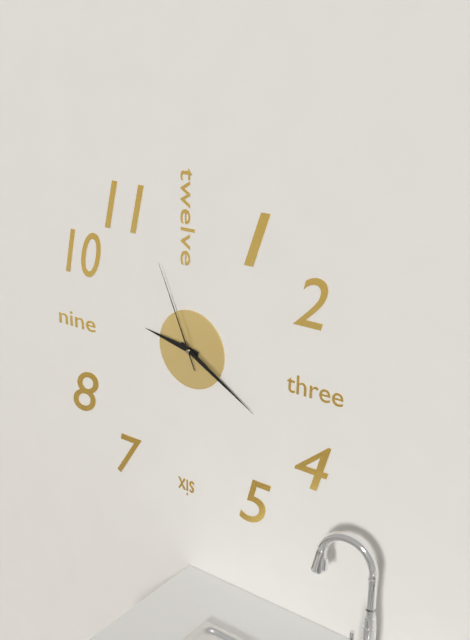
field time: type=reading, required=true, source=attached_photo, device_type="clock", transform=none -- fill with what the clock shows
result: 9:20:56
